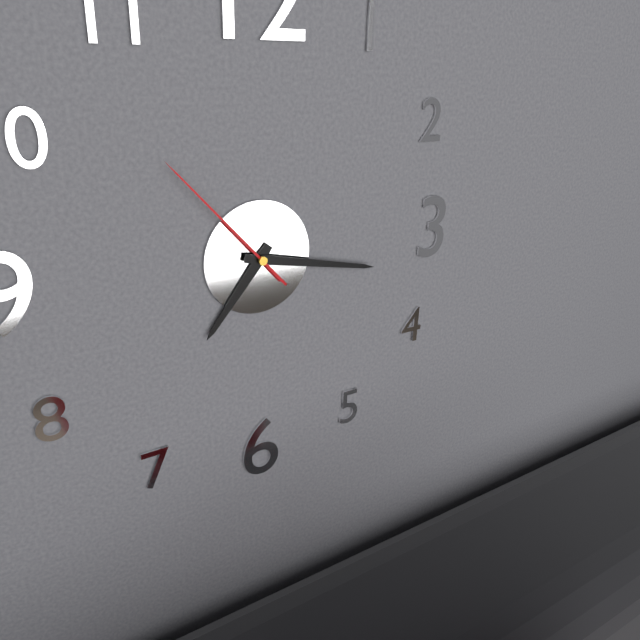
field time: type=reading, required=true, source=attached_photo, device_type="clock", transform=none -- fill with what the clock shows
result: 7:17:53
